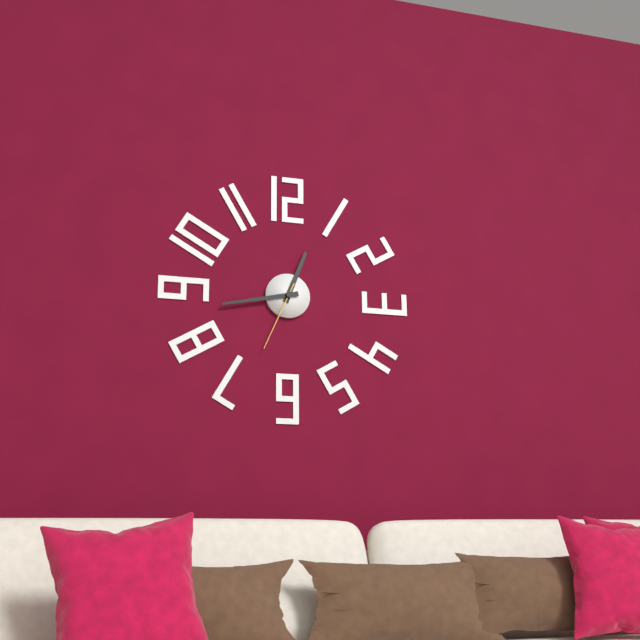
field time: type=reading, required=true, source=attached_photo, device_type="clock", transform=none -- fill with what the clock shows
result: 12:43:34
